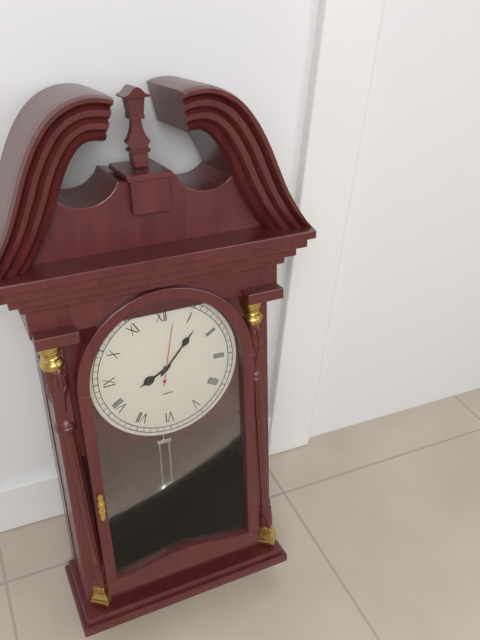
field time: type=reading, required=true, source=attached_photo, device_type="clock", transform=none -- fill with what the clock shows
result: 8:07:02
